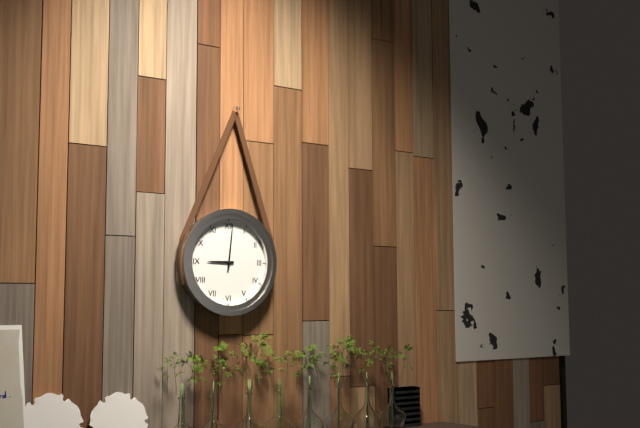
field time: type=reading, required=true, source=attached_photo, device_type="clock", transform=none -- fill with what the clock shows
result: 9:01
